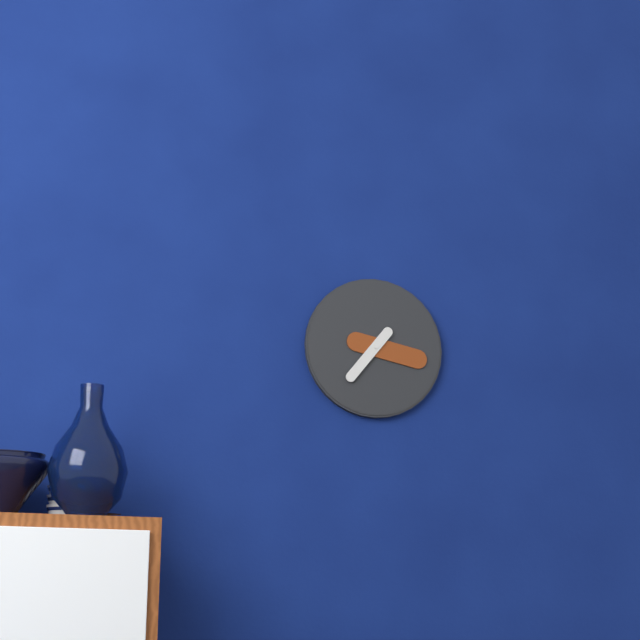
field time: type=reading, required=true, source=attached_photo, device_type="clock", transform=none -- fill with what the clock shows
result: 7:17
